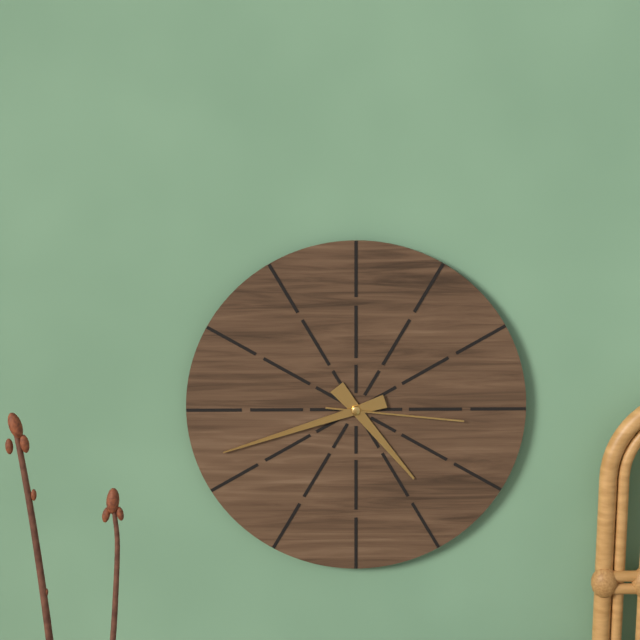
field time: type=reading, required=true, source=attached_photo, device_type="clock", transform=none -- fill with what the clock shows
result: 4:42:16
